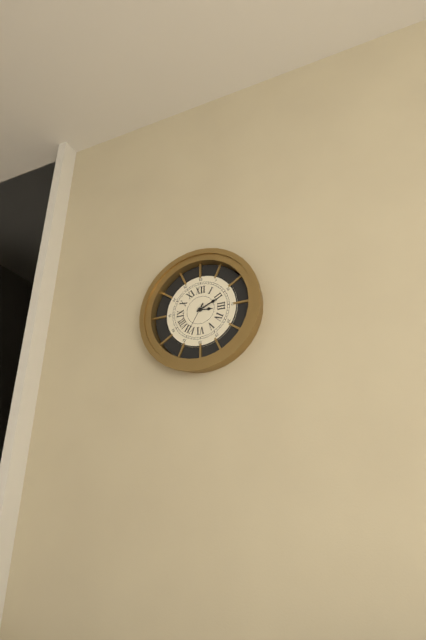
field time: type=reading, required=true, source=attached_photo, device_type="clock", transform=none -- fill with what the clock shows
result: 3:11
